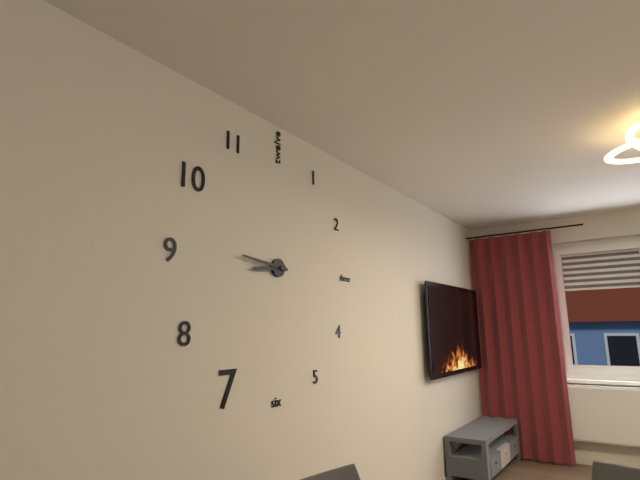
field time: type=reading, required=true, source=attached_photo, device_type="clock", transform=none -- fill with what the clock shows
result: 8:46
